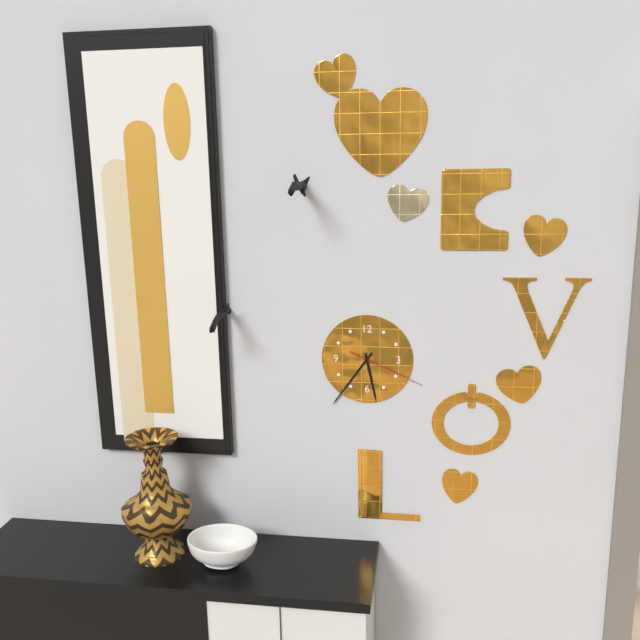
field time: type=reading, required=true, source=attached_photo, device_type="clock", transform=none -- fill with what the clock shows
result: 5:36:19
